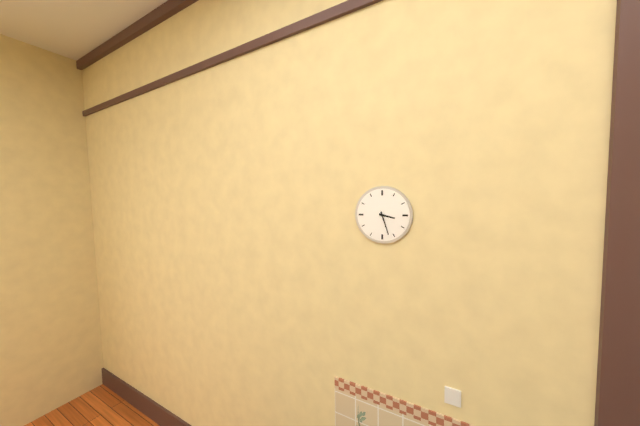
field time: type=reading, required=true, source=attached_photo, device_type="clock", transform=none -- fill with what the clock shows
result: 3:27
